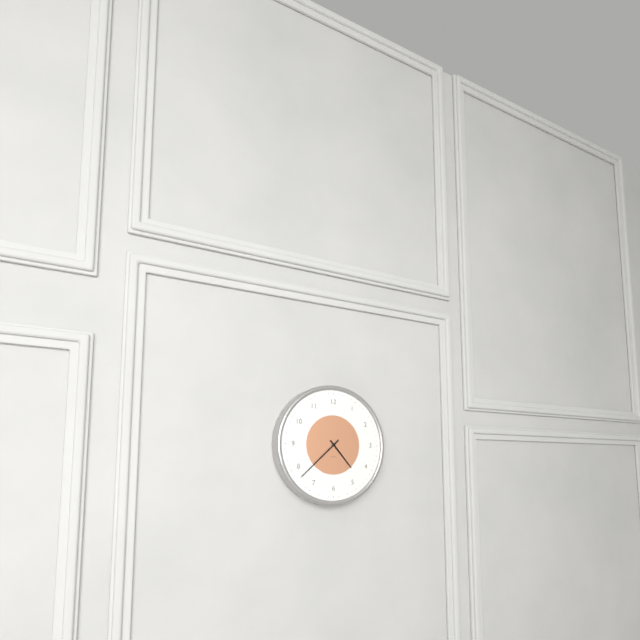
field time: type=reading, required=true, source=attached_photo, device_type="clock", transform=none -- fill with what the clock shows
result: 4:38
